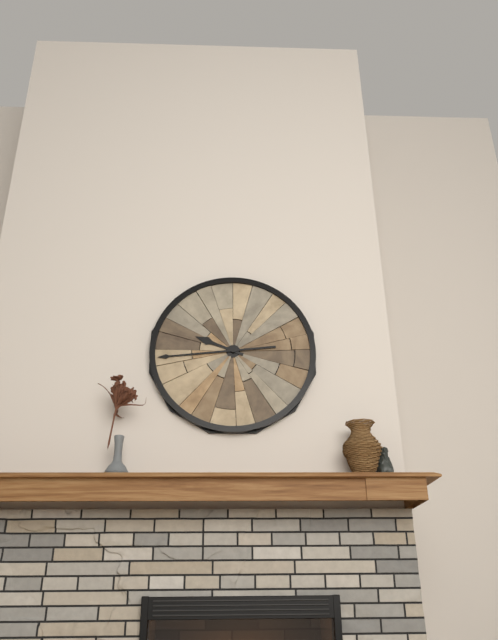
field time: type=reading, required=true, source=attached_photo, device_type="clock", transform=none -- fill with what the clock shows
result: 9:44
